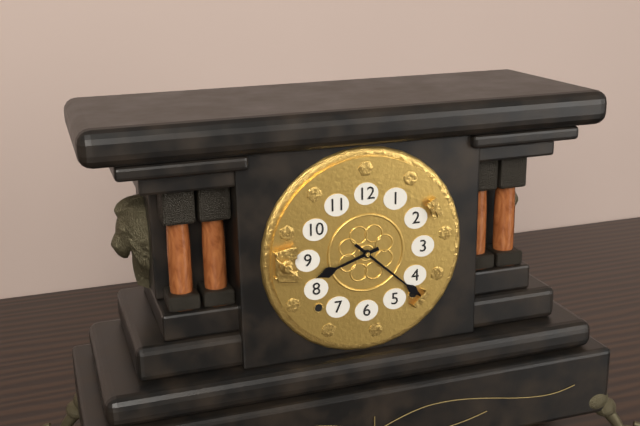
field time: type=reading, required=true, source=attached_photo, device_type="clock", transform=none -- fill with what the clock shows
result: 8:22
